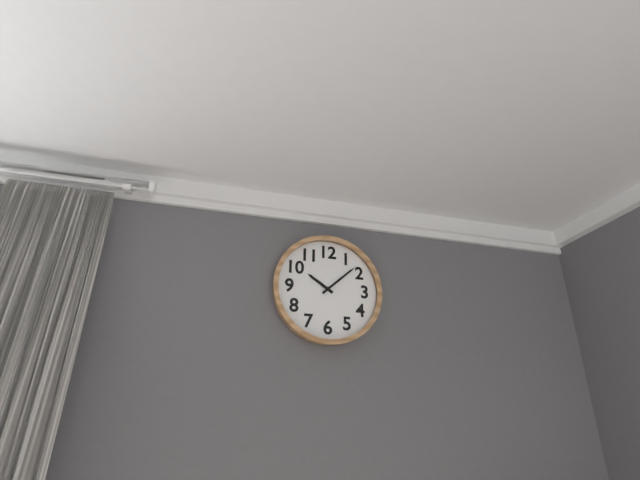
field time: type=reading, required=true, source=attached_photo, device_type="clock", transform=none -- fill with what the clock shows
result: 10:08
